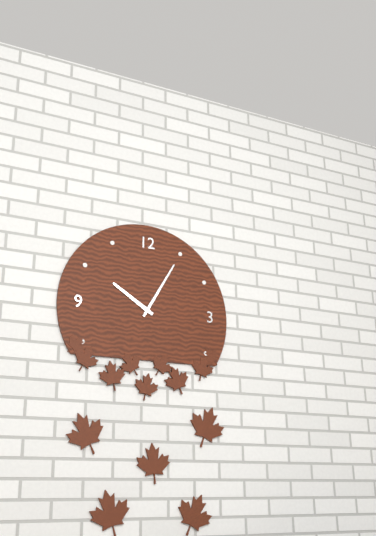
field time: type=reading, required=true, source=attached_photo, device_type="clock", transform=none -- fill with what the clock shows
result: 10:05
